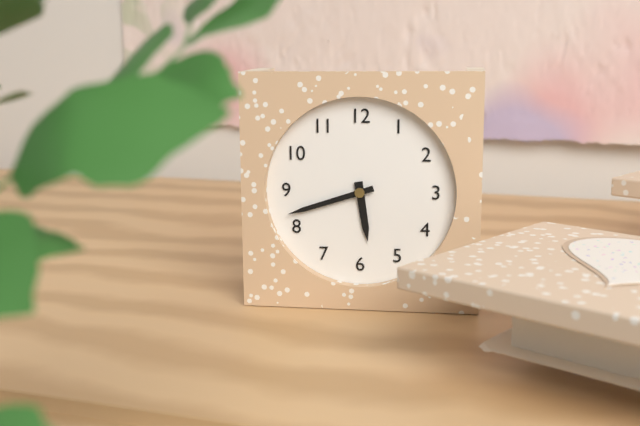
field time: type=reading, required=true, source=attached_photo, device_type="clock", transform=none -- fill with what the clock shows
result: 5:42
